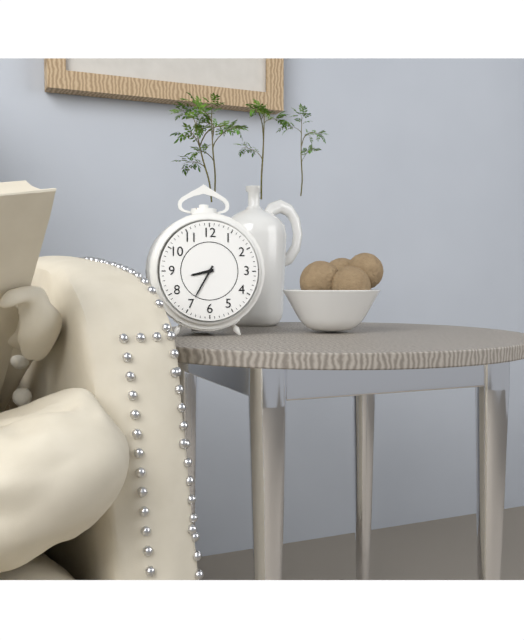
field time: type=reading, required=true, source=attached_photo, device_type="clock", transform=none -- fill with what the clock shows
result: 8:35
